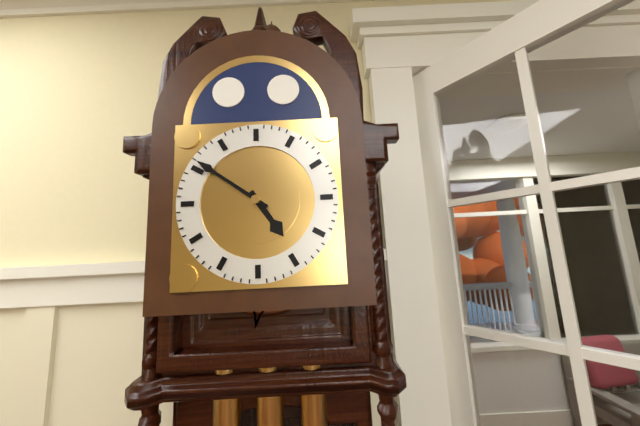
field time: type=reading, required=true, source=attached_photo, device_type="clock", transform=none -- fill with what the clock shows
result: 4:51
